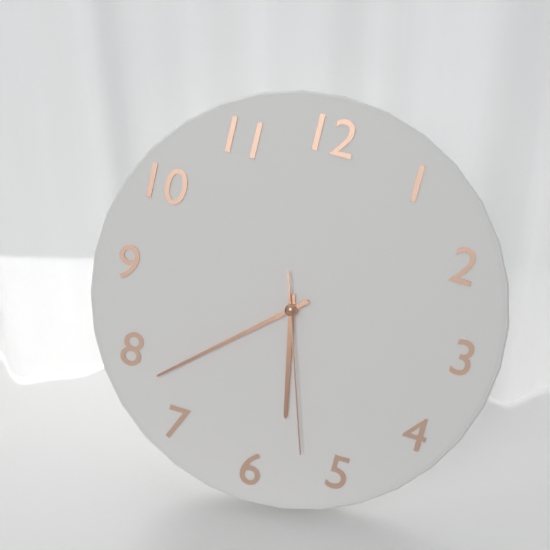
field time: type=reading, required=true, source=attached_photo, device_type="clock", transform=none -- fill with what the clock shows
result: 5:38:27
